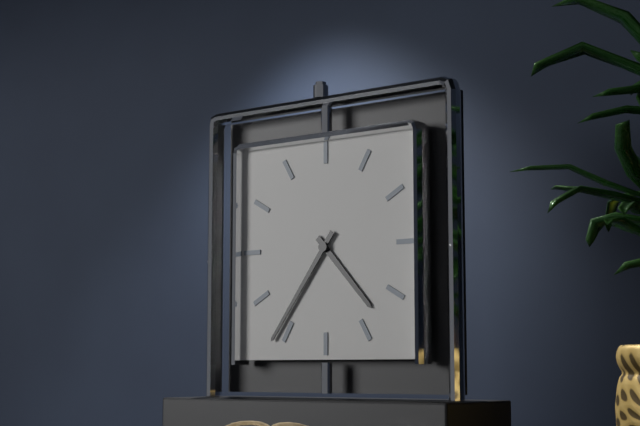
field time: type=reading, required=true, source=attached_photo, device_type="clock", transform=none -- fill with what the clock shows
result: 4:36
